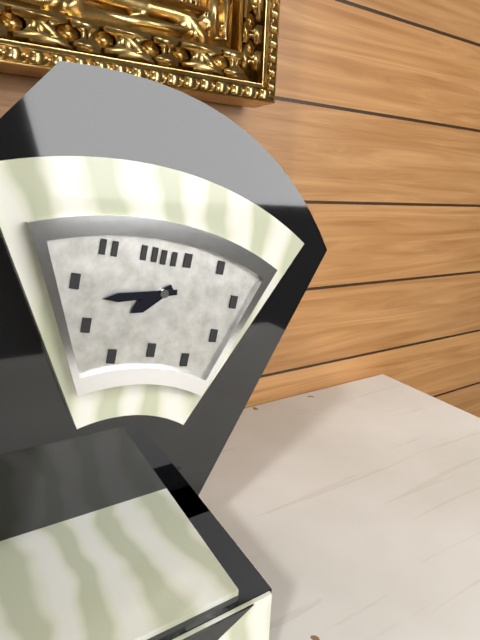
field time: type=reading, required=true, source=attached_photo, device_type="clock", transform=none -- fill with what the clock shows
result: 7:43
